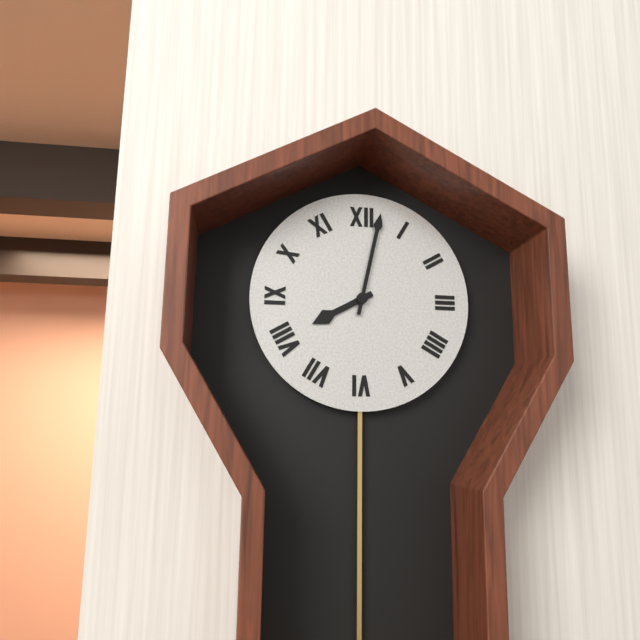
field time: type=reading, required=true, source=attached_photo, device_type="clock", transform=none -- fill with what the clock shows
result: 8:02
